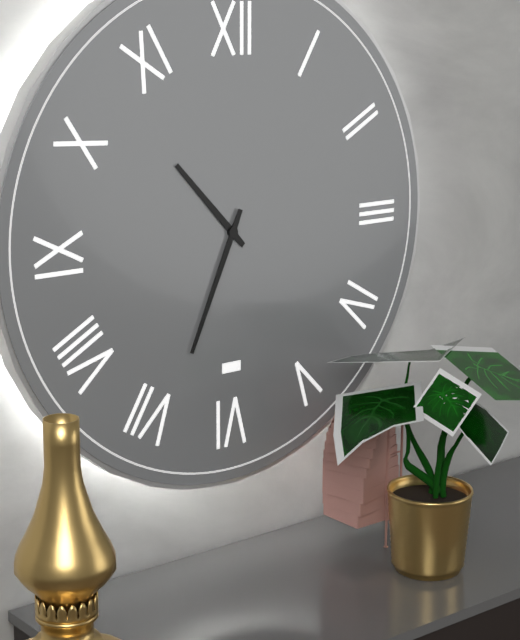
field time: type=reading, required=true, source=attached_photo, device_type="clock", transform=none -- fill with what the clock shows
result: 10:34
